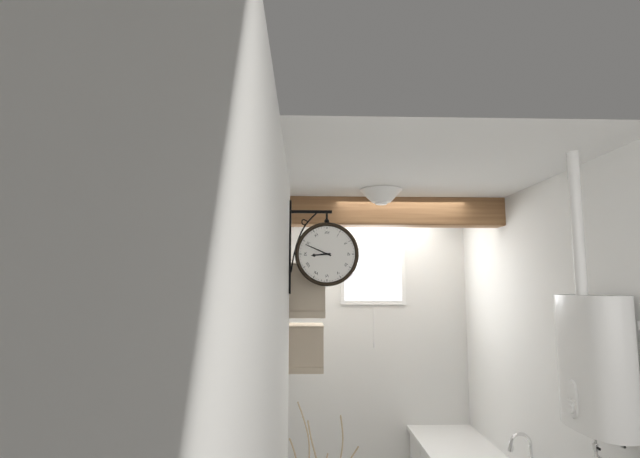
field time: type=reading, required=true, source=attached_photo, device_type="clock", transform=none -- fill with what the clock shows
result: 8:49
